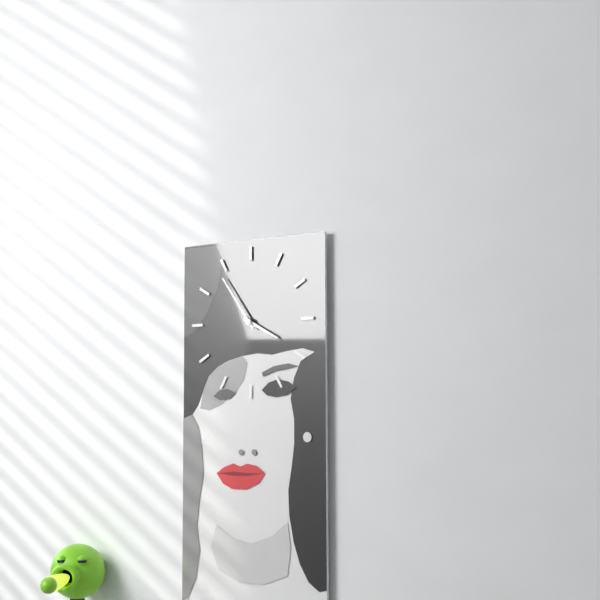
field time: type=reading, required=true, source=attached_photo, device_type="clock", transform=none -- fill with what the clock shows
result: 3:54
